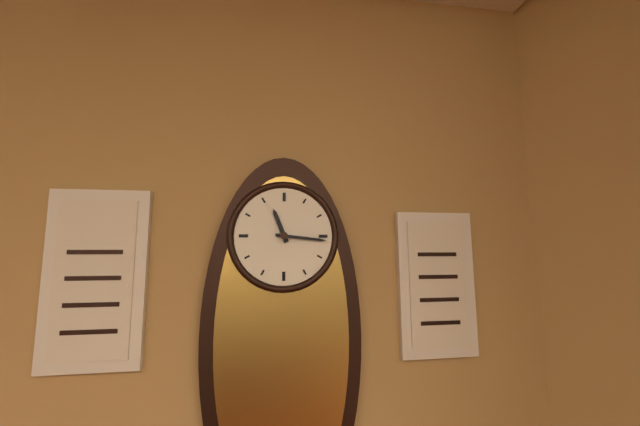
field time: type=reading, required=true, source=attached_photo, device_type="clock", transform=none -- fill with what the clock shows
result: 11:16
